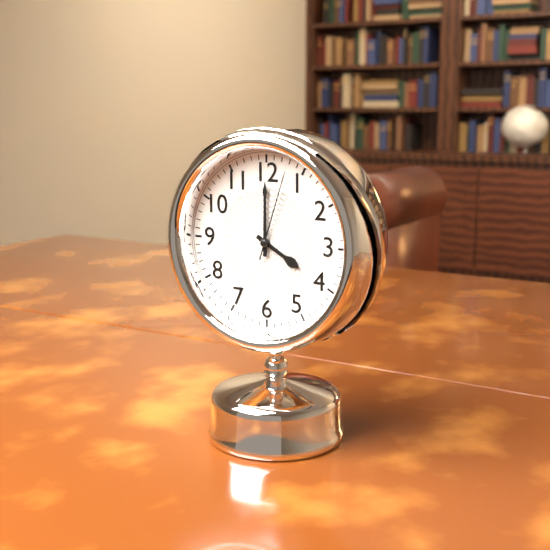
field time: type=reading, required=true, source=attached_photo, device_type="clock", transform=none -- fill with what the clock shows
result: 4:00:03
